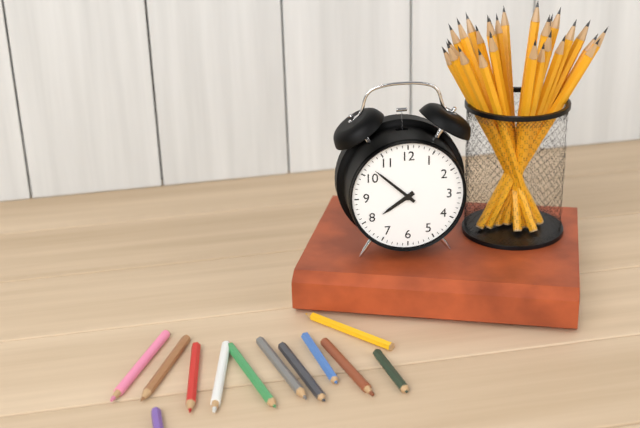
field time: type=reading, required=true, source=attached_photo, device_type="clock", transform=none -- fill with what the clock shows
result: 7:52
